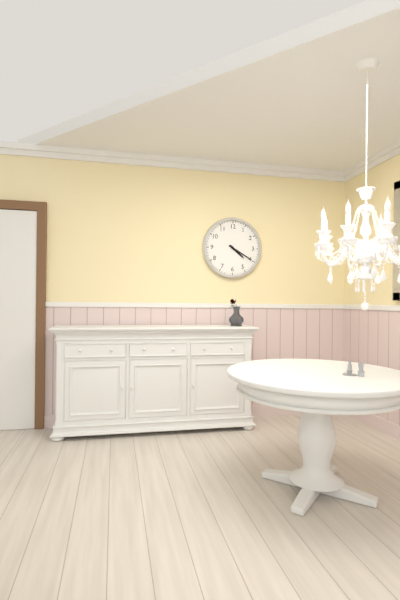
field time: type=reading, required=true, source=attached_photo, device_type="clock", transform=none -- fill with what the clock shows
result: 4:20
